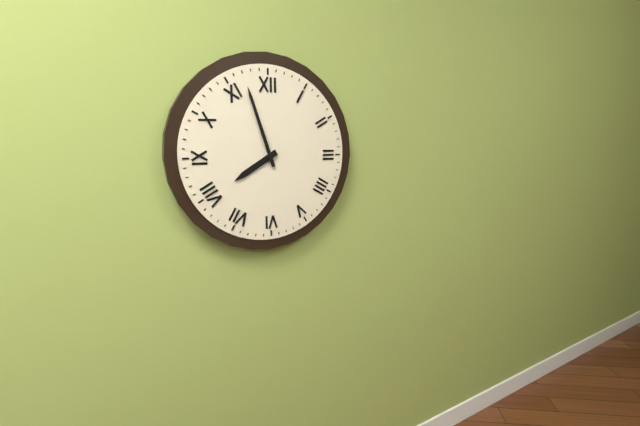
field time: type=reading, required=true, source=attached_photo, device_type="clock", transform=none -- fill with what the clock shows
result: 7:57
